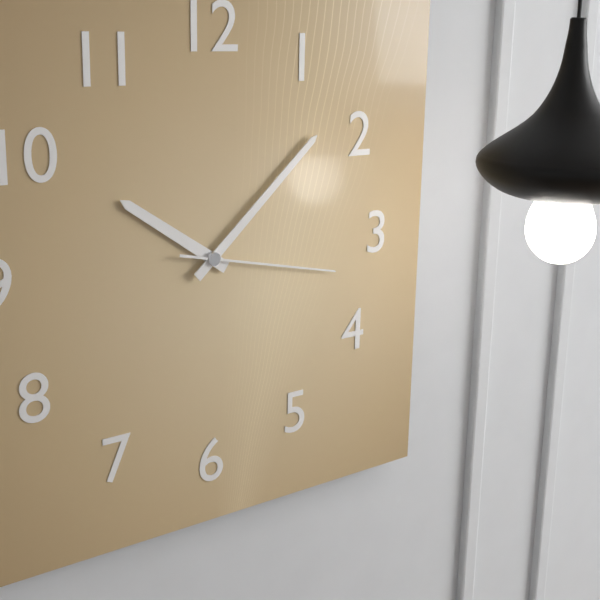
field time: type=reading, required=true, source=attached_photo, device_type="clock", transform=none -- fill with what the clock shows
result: 10:08:17
